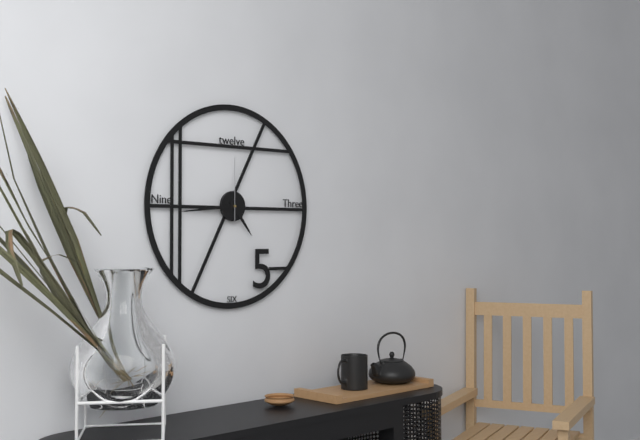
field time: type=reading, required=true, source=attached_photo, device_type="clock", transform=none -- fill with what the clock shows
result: 4:44:00
